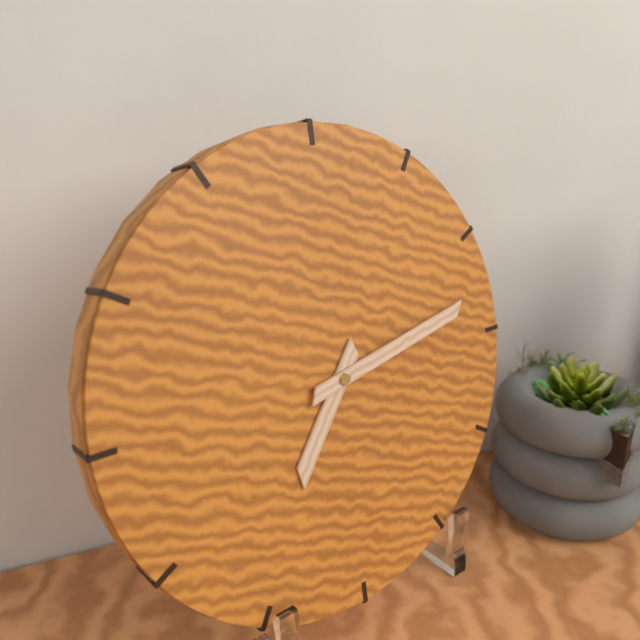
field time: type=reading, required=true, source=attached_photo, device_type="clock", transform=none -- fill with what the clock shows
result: 7:13
